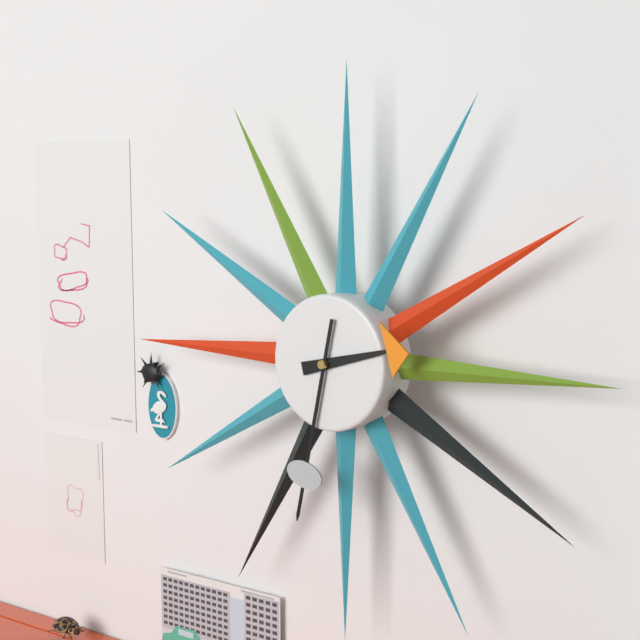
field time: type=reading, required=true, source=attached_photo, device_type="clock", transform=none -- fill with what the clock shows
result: 2:32
